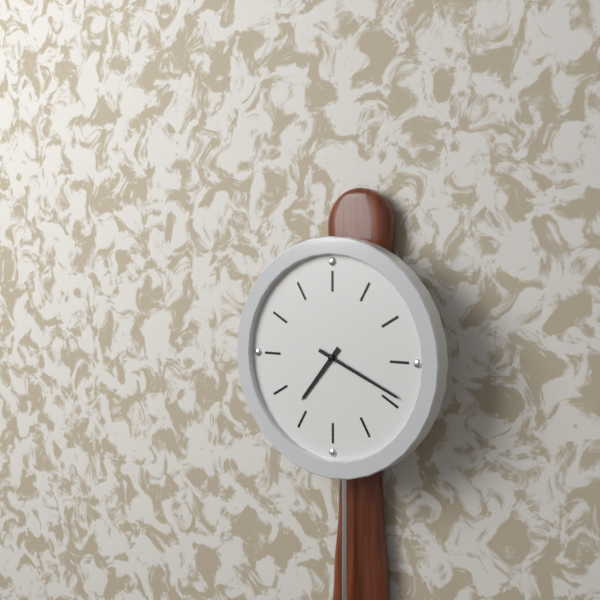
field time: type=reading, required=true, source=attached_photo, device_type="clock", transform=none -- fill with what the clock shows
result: 7:19
